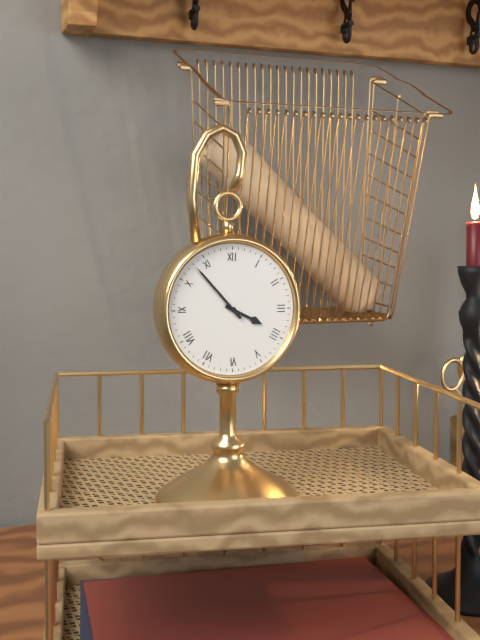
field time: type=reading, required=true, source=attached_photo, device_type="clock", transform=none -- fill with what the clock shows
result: 3:53
